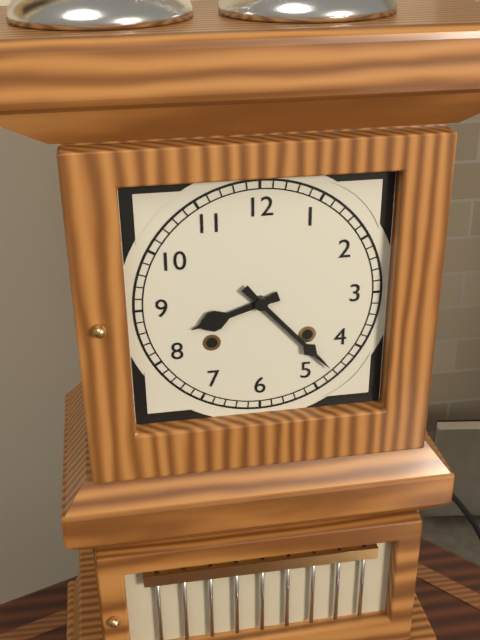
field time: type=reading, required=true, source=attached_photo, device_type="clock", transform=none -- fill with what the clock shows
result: 8:23
